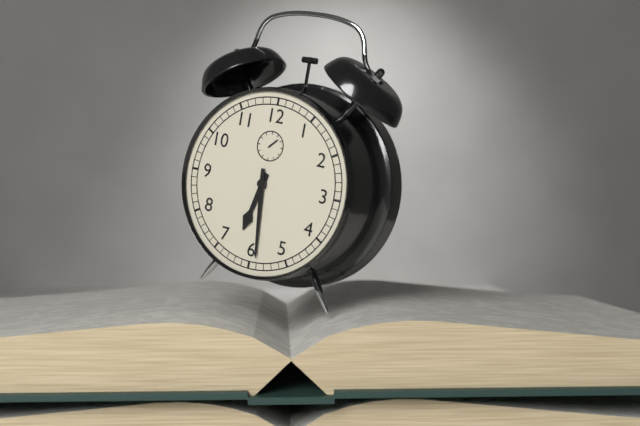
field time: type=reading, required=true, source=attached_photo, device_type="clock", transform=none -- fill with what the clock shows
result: 6:29
